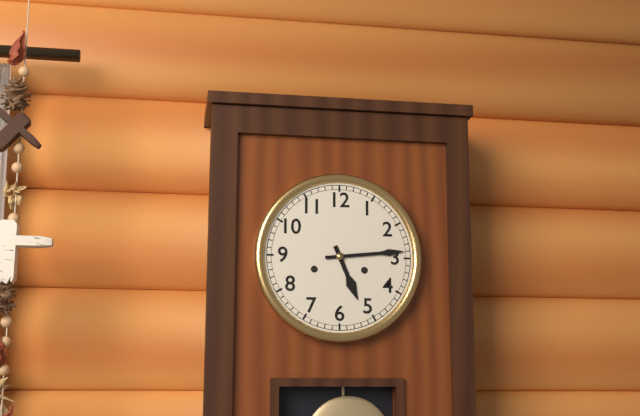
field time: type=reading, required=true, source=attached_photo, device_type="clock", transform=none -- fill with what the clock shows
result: 5:14
